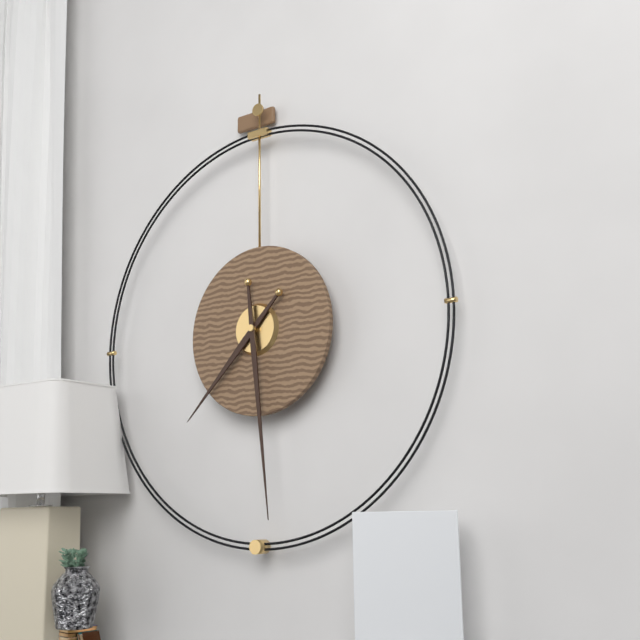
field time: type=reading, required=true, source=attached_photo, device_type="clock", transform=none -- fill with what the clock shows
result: 7:29
